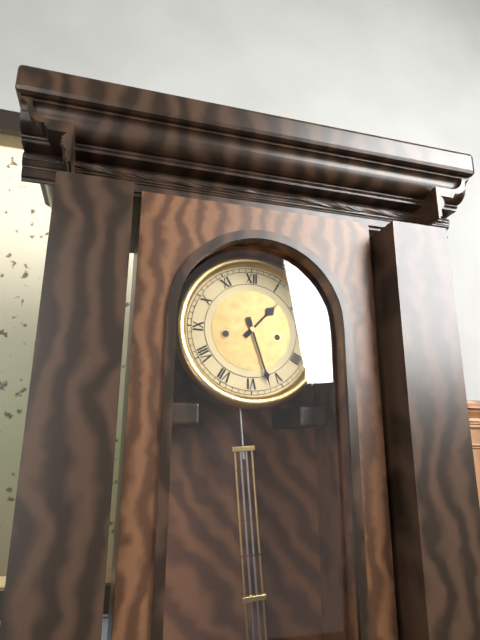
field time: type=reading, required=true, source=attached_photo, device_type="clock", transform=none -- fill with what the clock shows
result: 1:27
